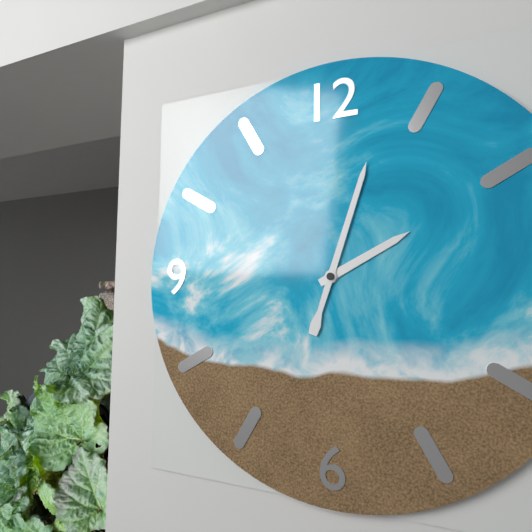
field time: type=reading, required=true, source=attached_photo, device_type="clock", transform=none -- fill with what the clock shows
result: 2:03
